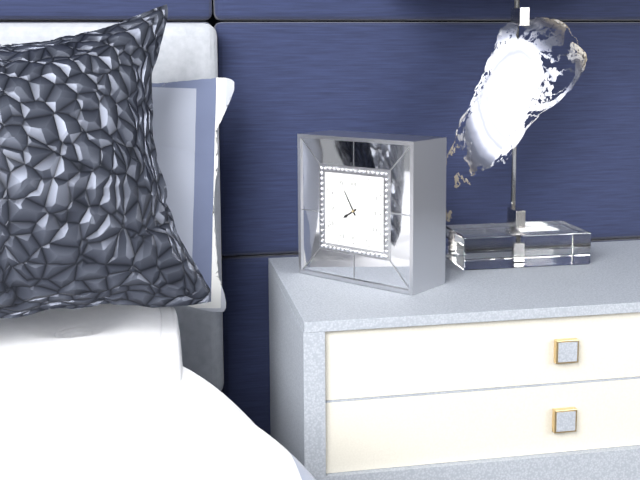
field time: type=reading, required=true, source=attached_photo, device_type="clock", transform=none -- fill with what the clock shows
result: 7:55
